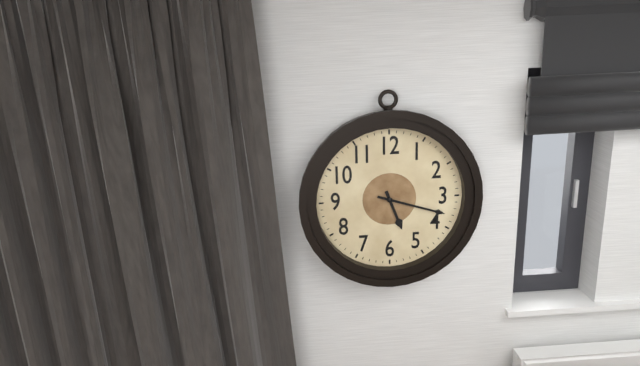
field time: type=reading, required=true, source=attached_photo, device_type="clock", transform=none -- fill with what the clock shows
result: 5:18
